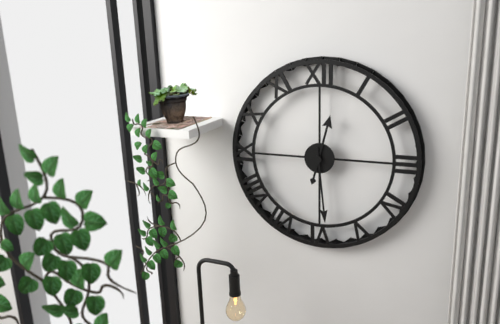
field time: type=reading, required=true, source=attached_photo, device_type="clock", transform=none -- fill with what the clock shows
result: 12:29
